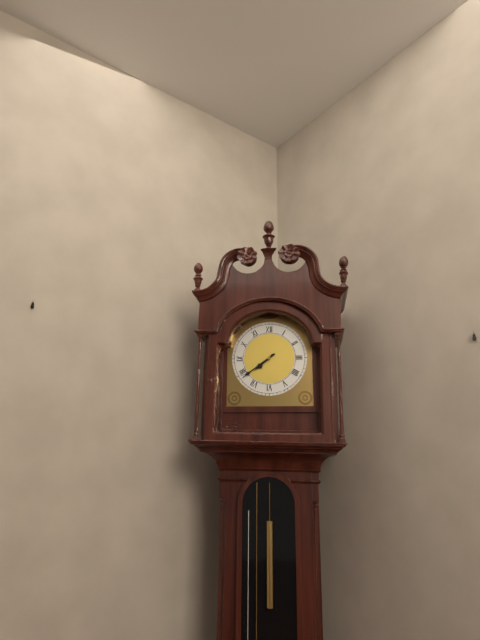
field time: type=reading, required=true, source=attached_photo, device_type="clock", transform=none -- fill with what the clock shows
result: 7:39
